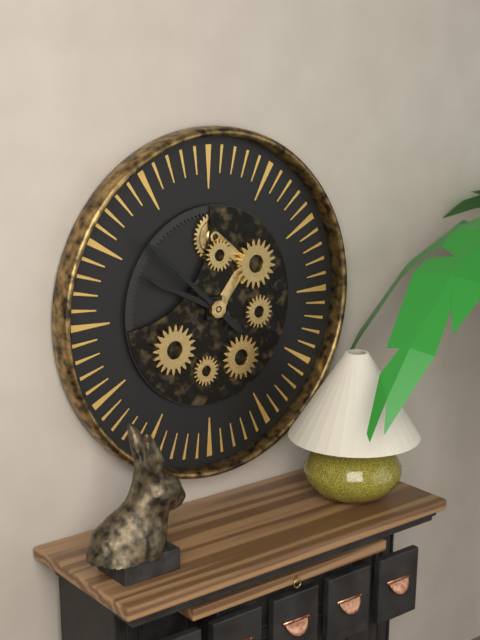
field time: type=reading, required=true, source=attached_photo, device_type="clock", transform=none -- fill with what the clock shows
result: 9:52
